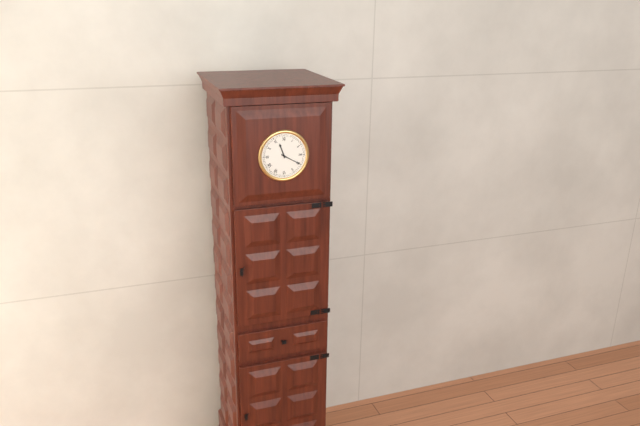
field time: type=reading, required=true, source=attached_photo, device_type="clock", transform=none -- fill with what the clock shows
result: 11:20
